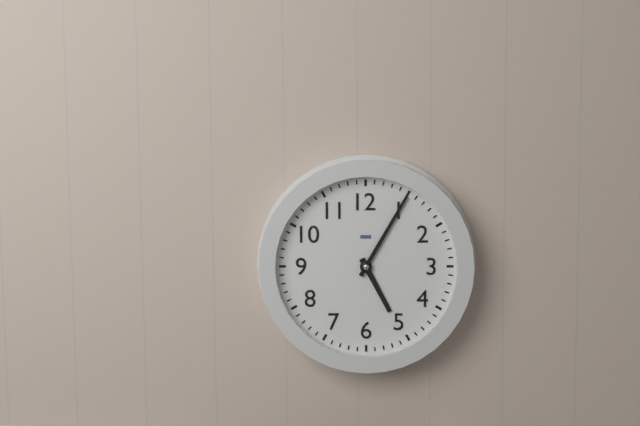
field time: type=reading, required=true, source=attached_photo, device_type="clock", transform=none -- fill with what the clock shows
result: 5:05
